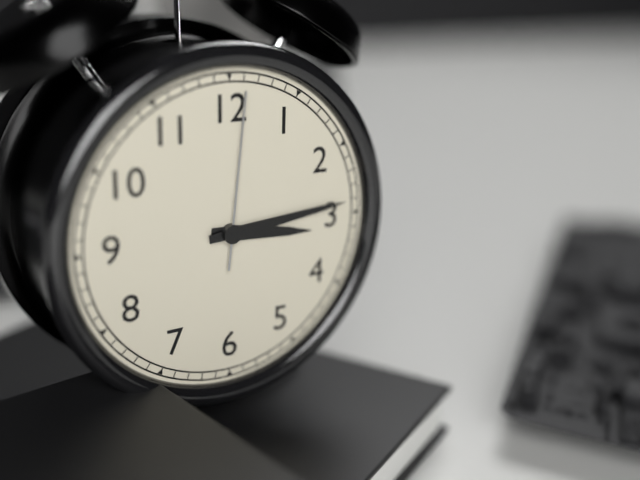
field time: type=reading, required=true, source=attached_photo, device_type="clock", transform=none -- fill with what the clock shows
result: 3:14:01
